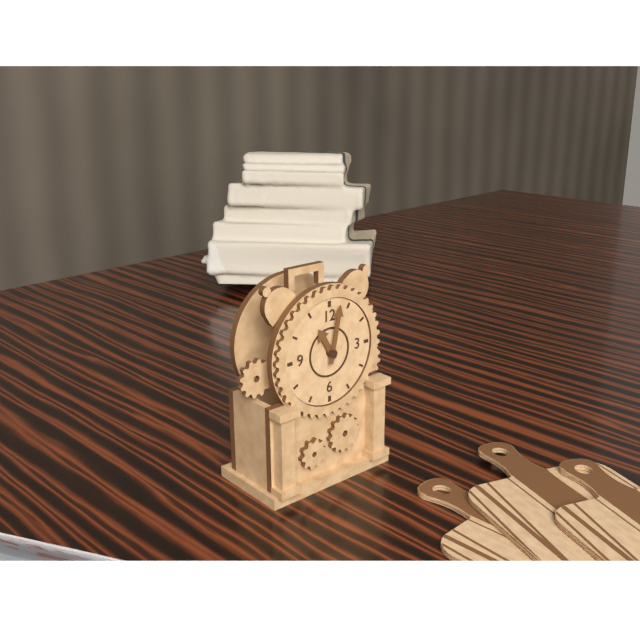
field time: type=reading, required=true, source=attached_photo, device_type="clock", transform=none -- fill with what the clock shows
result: 11:02
